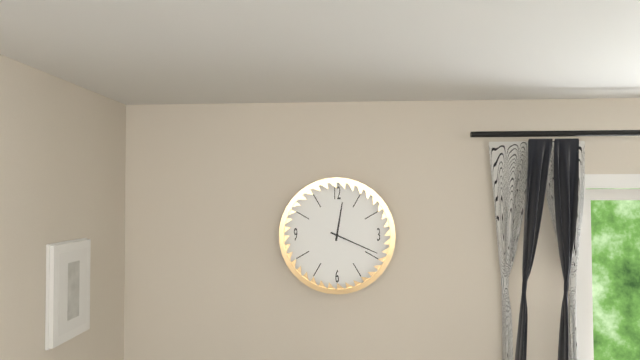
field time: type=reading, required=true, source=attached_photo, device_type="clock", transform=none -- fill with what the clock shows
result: 12:19
